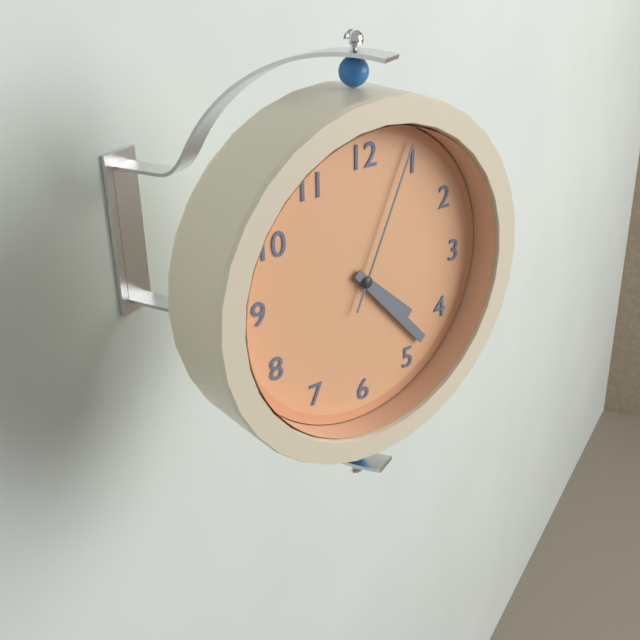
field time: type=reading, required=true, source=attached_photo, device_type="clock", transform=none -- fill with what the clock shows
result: 4:23:04
